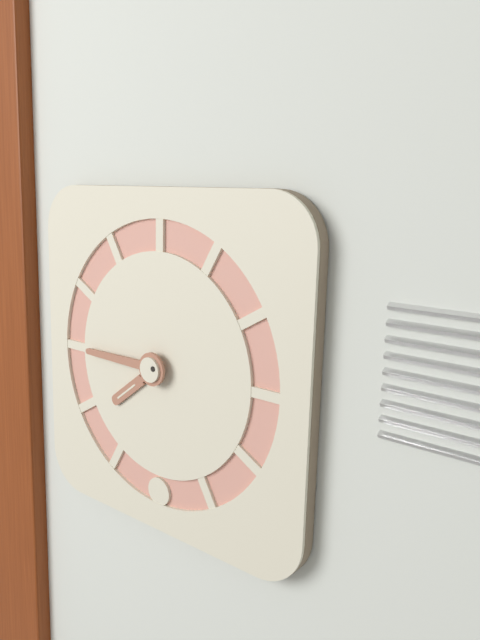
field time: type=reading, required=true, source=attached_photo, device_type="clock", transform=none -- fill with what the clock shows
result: 7:45
